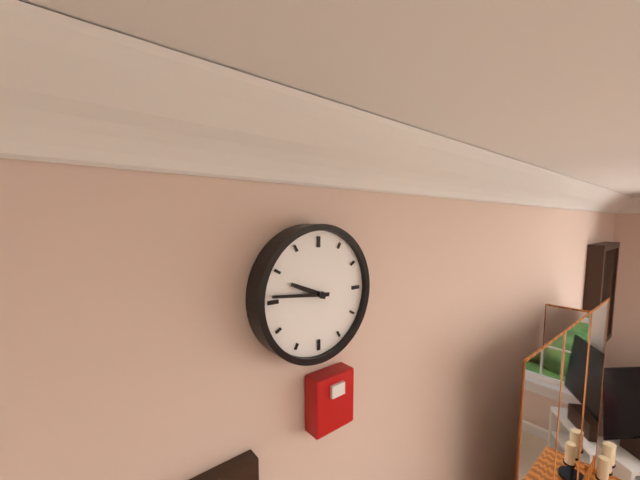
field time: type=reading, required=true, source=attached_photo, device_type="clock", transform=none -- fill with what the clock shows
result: 9:46
